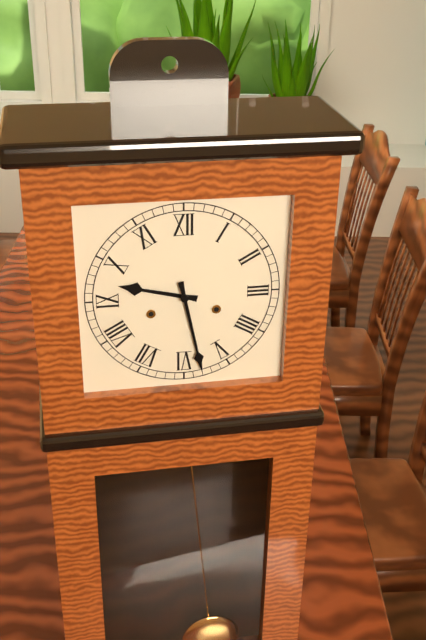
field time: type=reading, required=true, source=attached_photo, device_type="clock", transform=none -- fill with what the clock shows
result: 9:28
